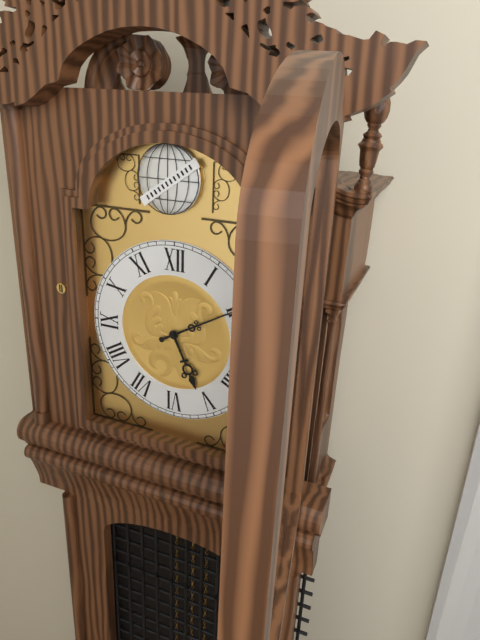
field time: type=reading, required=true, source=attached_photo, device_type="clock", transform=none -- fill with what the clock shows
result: 5:10
